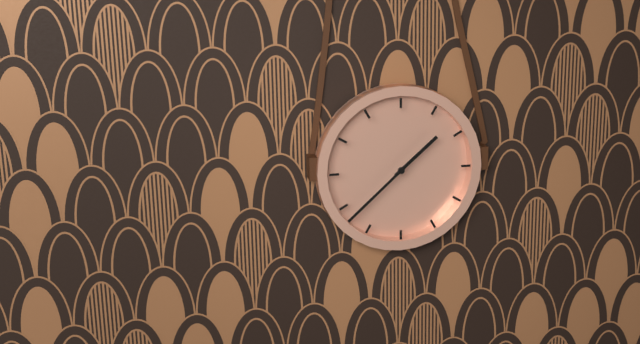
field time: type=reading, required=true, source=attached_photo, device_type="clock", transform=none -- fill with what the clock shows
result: 1:38
